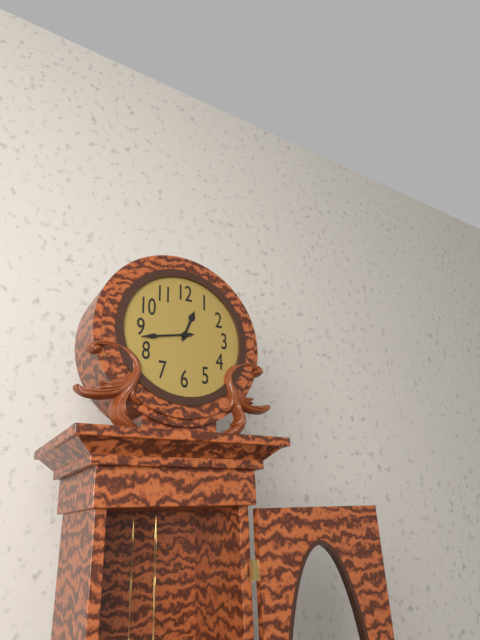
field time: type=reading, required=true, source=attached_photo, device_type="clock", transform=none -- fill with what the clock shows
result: 12:43
